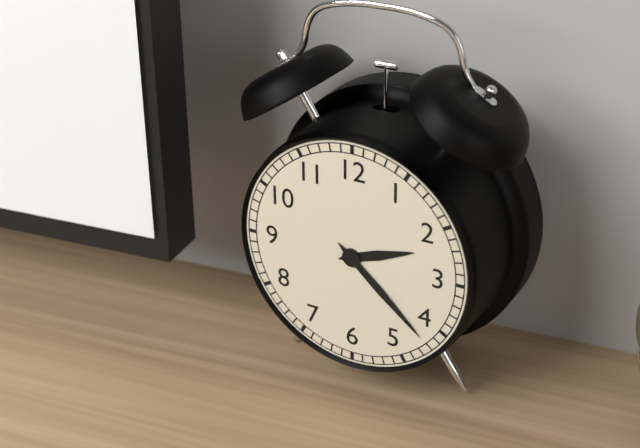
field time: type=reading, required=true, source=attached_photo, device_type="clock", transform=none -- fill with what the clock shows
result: 2:22
